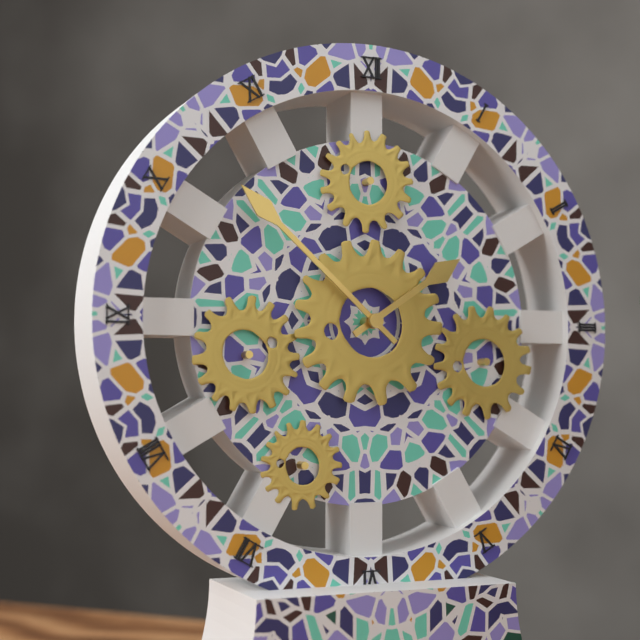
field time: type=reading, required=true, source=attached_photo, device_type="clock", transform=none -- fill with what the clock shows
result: 1:52
